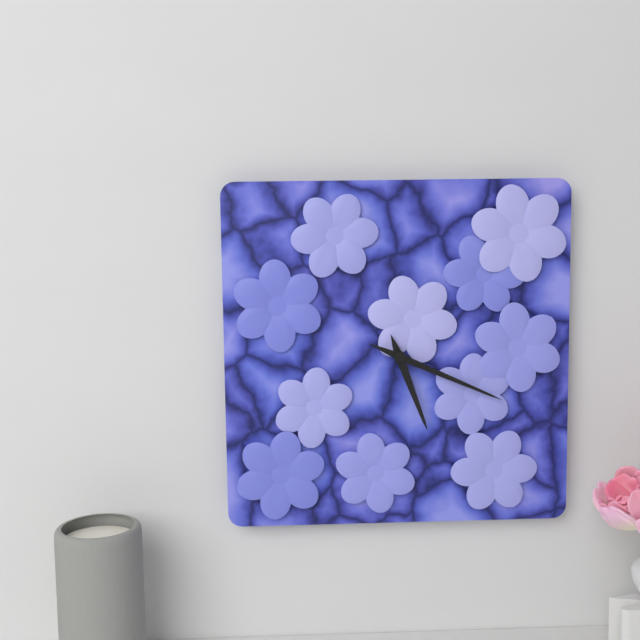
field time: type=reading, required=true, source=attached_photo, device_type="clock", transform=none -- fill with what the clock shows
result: 5:19
